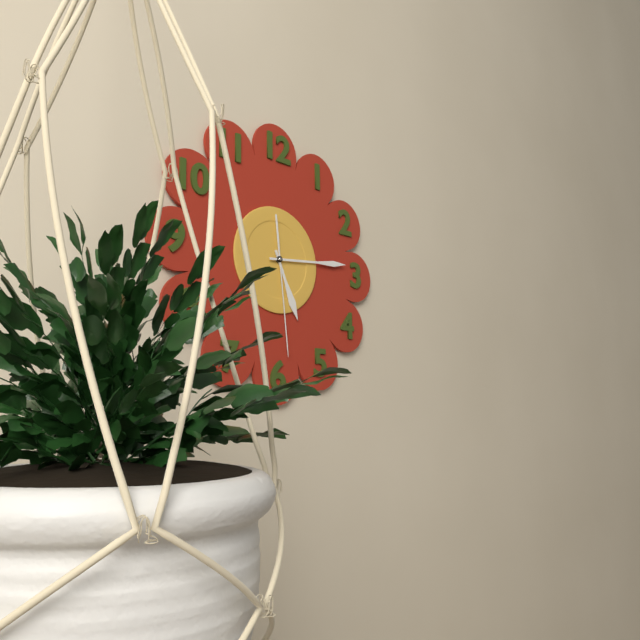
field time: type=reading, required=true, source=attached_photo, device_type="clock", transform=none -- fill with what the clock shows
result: 5:14:29
